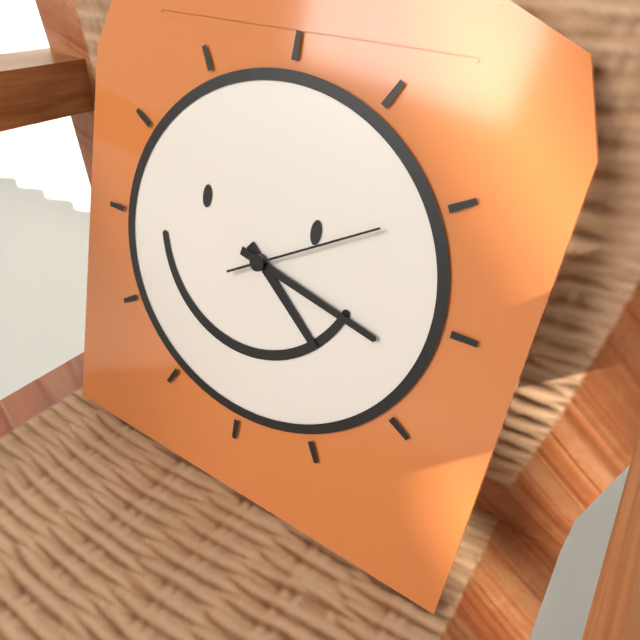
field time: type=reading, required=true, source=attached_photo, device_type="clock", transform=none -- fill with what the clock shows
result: 4:17:10
